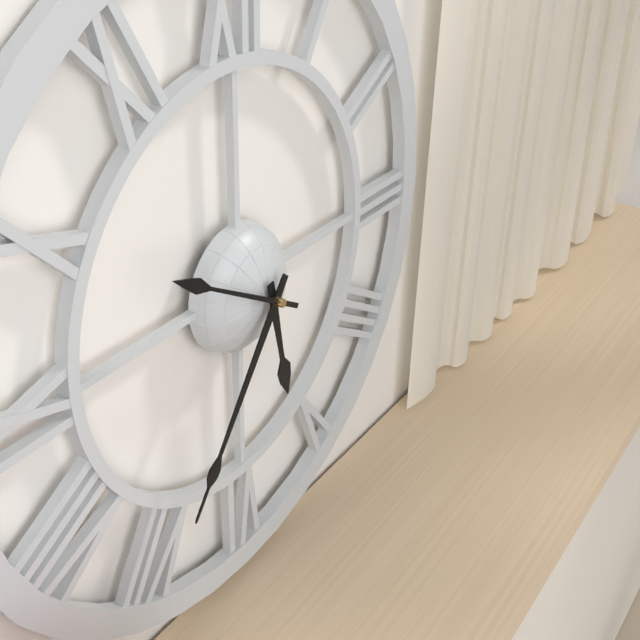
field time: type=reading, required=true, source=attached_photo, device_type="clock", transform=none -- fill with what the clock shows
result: 5:36:50
